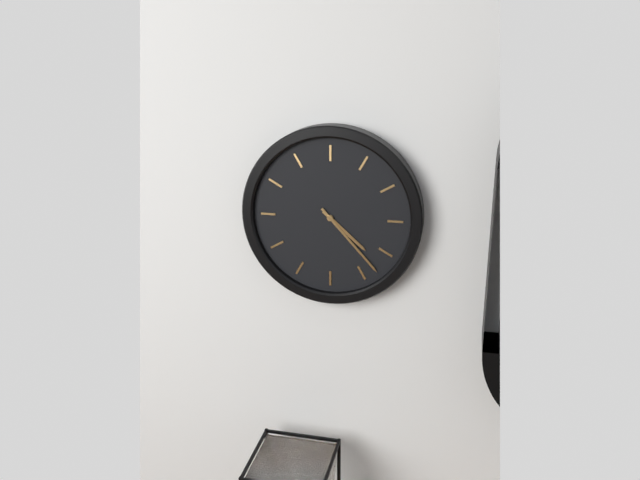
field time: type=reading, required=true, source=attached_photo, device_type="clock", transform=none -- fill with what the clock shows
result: 4:23
